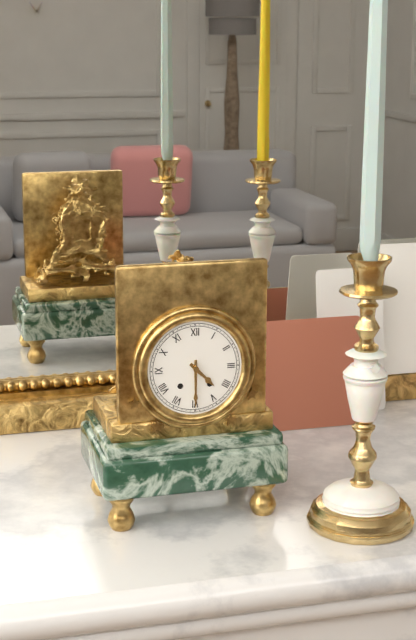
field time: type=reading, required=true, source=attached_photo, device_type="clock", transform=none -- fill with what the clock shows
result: 4:30
